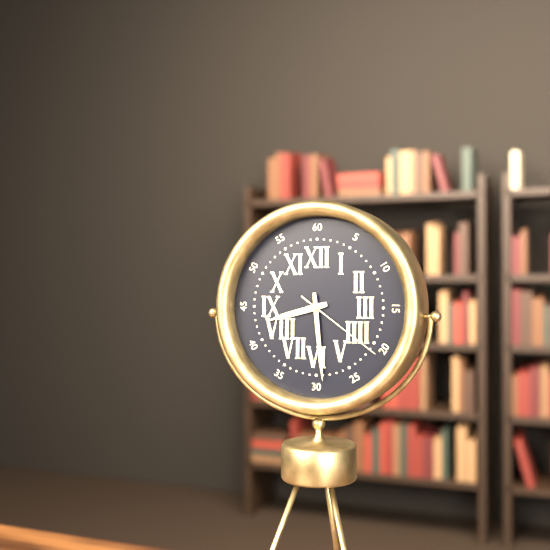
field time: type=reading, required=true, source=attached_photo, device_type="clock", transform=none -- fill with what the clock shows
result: 8:29:21
